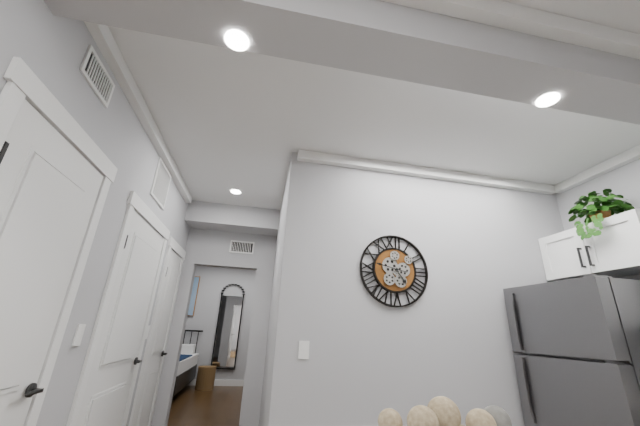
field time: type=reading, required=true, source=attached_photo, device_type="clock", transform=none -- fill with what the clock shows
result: 4:47
